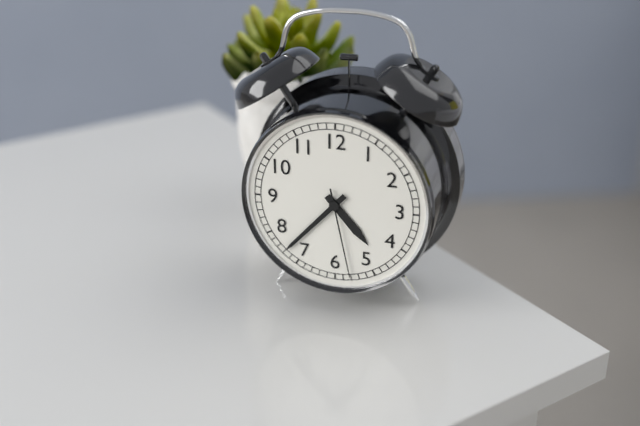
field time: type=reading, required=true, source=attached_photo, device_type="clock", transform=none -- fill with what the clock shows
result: 4:37:28
